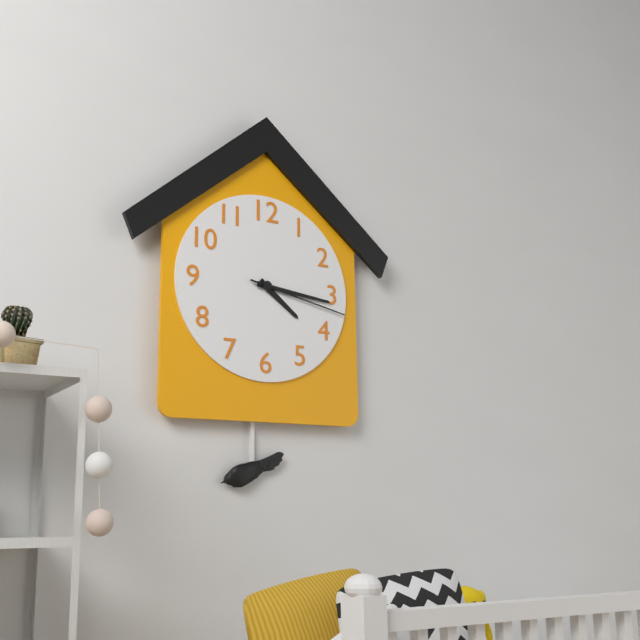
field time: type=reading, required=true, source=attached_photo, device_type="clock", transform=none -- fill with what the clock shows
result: 4:16:17
